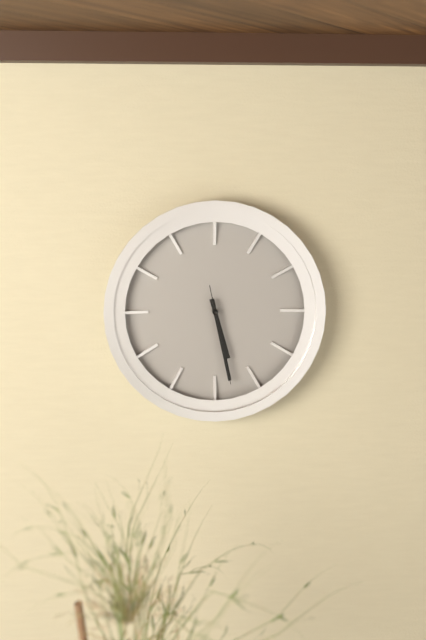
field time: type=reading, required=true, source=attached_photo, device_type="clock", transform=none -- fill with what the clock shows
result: 5:28:28
